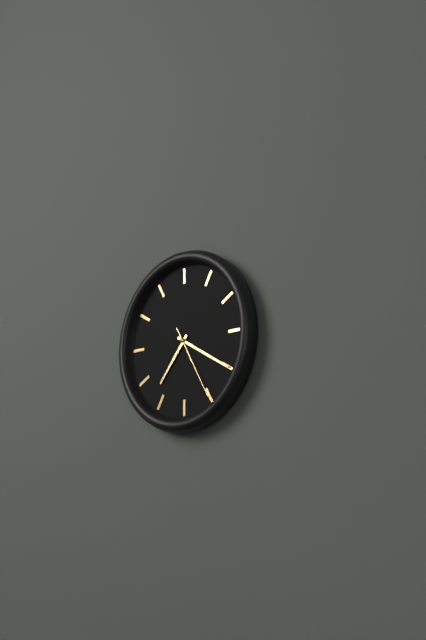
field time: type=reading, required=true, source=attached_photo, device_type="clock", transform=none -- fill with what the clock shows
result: 7:20:25
